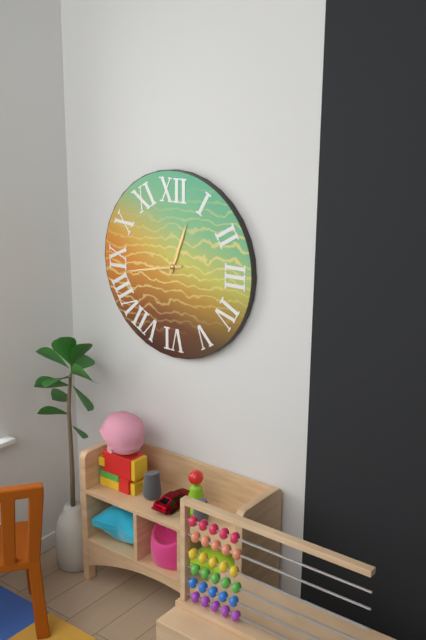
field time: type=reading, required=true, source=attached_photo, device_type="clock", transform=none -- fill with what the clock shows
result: 12:43
